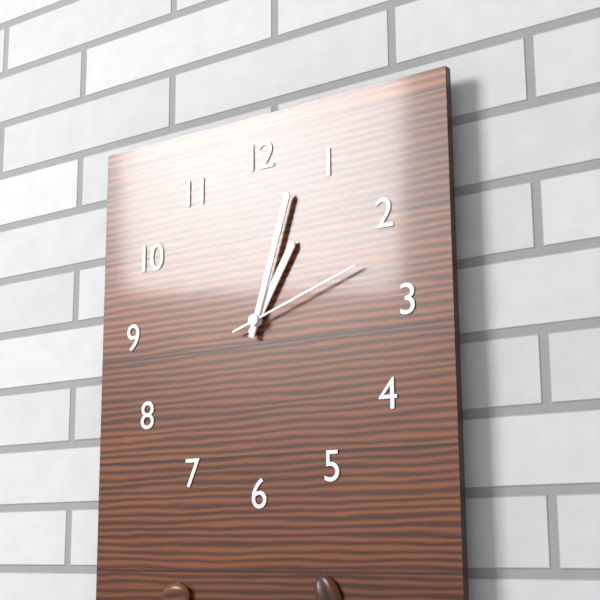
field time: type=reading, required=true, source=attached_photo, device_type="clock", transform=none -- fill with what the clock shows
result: 1:03:12
